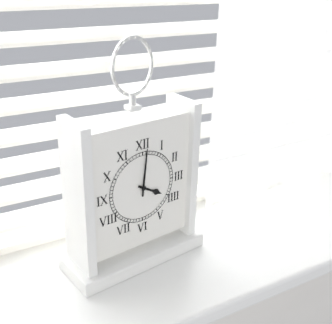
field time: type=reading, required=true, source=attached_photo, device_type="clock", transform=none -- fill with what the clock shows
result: 4:01
